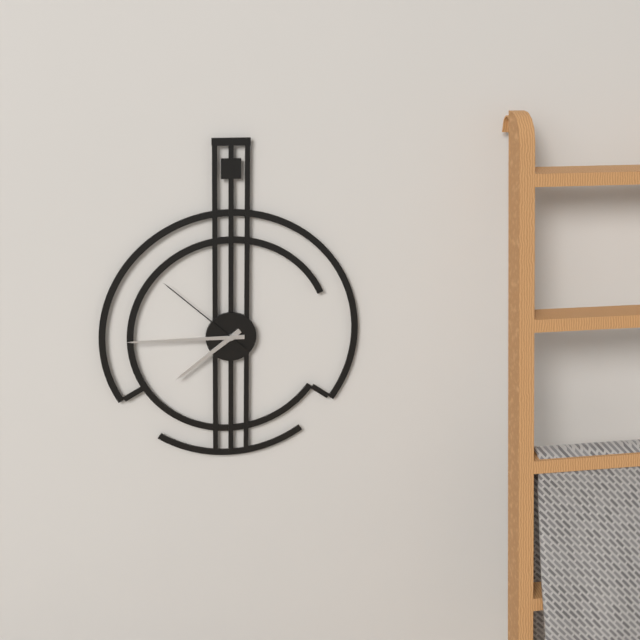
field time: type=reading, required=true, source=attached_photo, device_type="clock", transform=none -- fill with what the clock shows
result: 7:45:52
